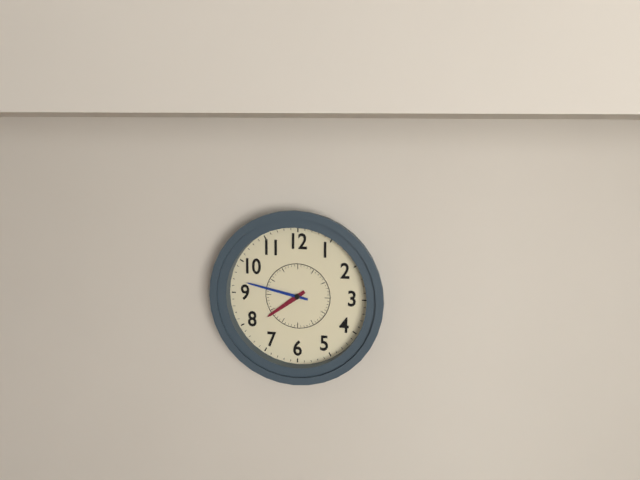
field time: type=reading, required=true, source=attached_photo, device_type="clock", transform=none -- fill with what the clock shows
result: 7:47
